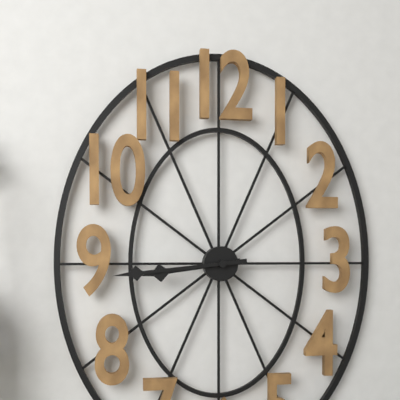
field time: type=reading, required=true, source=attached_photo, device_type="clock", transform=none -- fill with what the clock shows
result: 8:44
